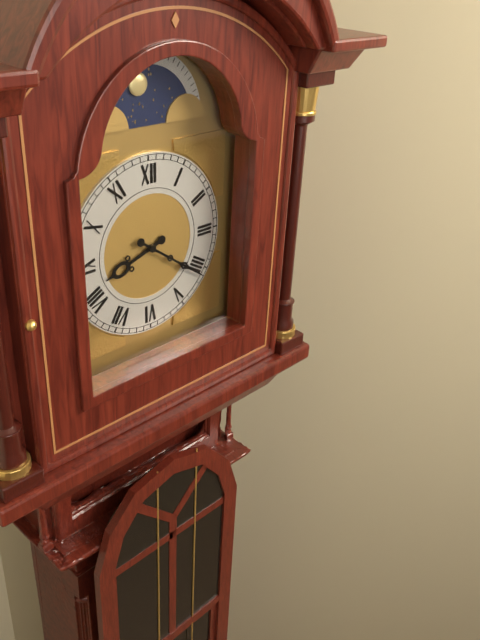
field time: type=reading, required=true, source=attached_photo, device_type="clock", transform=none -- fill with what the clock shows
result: 8:21
